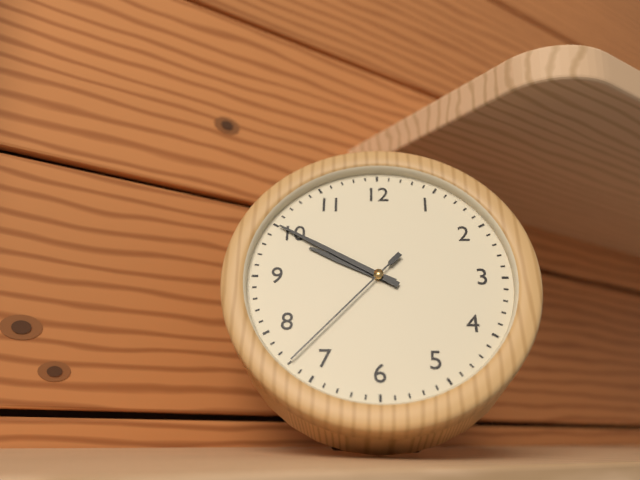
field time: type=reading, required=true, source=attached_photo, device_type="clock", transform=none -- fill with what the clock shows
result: 9:50:37
